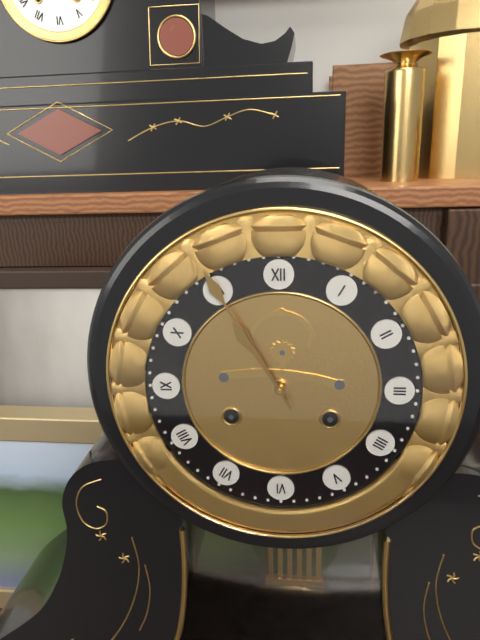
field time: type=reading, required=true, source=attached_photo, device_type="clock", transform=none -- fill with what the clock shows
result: 10:55
